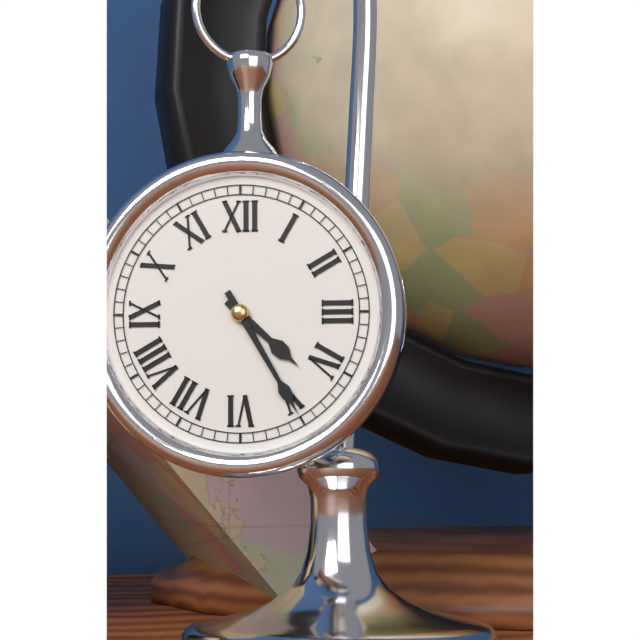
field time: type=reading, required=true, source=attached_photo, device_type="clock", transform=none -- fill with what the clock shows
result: 4:25
